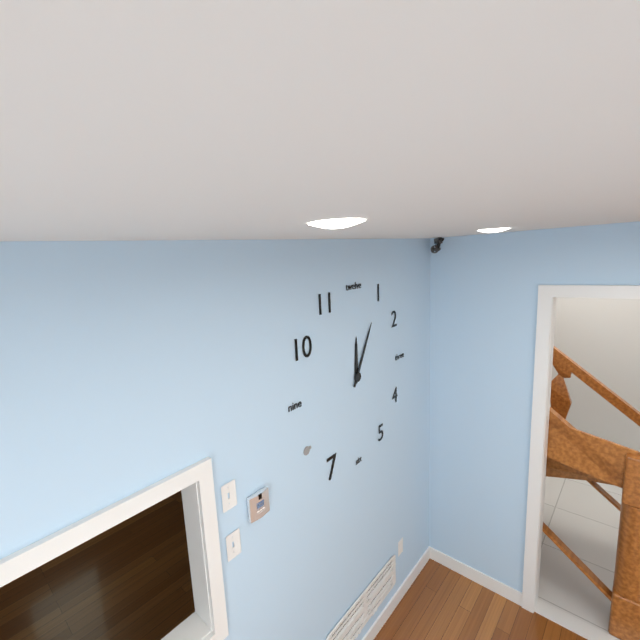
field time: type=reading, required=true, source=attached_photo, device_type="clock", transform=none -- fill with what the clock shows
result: 12:05
